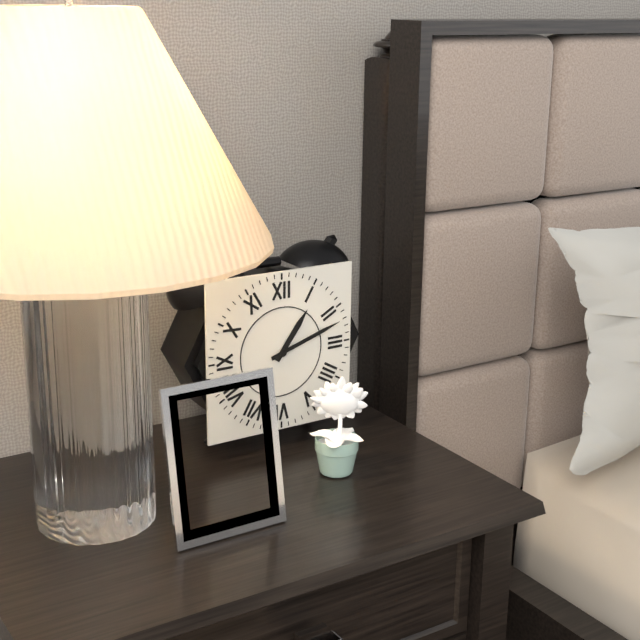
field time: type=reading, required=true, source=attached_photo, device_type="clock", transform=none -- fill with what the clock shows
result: 1:12
